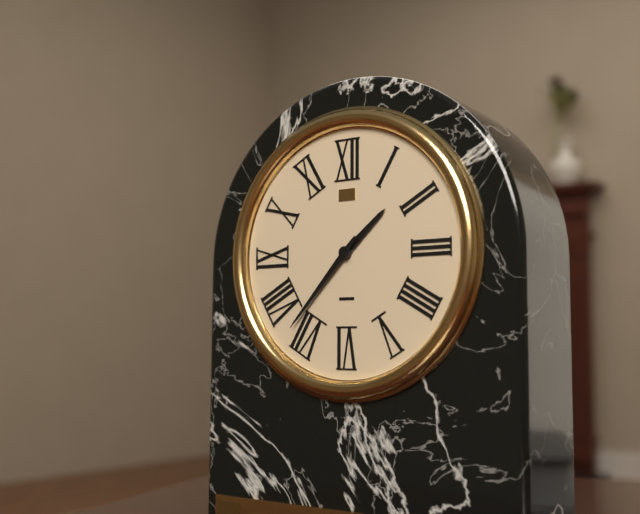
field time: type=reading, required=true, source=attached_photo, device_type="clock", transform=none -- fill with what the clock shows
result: 1:37
